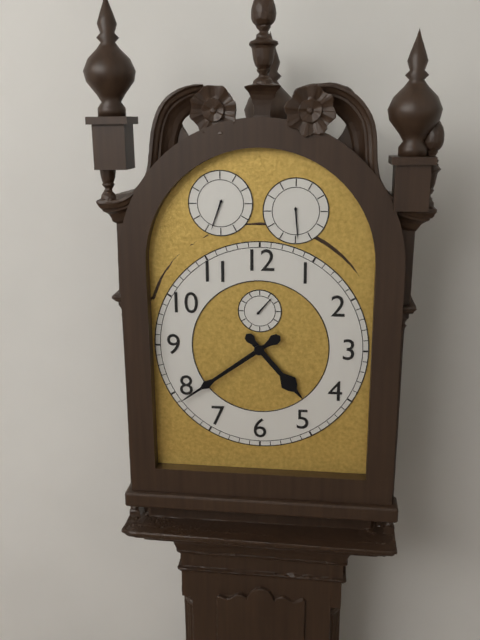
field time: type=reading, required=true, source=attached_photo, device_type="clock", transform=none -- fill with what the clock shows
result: 4:39
